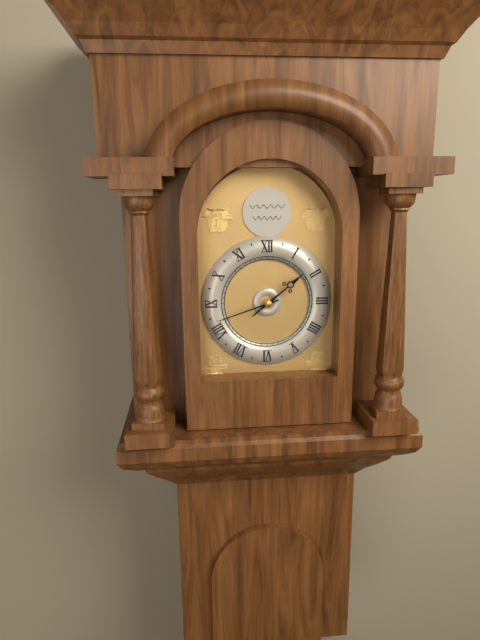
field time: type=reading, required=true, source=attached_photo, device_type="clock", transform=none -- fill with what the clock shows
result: 1:42
